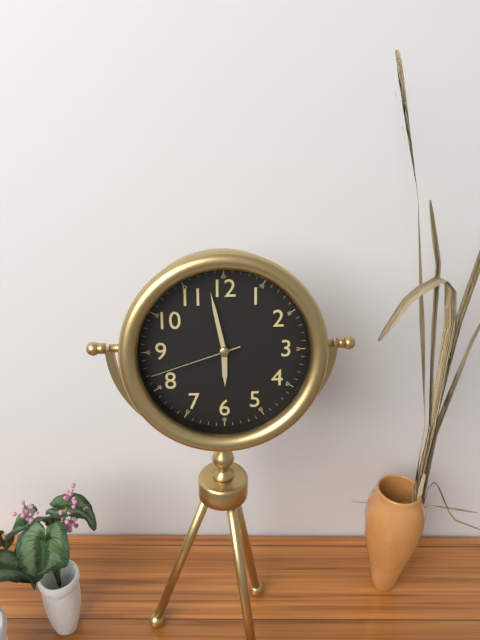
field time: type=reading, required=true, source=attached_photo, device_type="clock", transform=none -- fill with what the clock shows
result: 5:58:42
